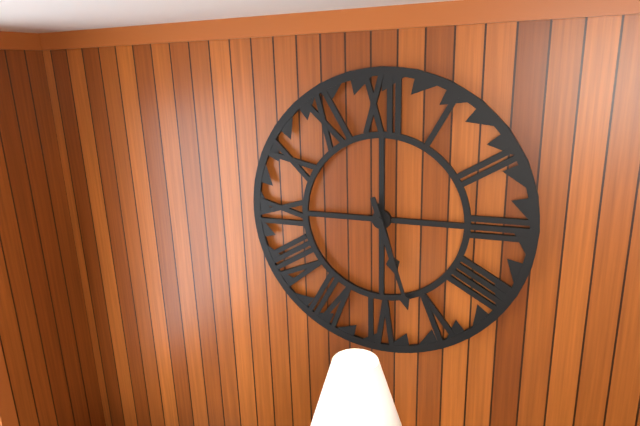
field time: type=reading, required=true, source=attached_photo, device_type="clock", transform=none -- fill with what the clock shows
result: 5:27
